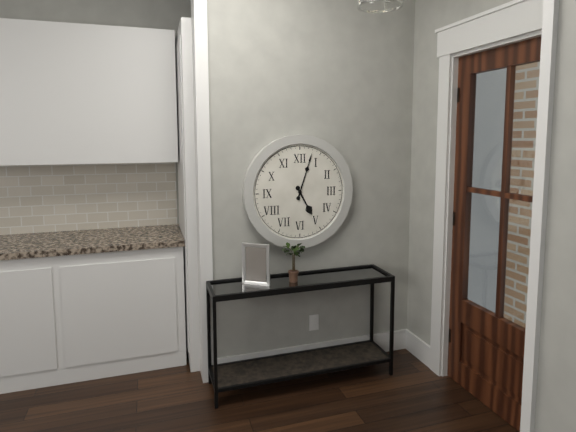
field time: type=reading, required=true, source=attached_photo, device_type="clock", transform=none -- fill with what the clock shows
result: 5:03
